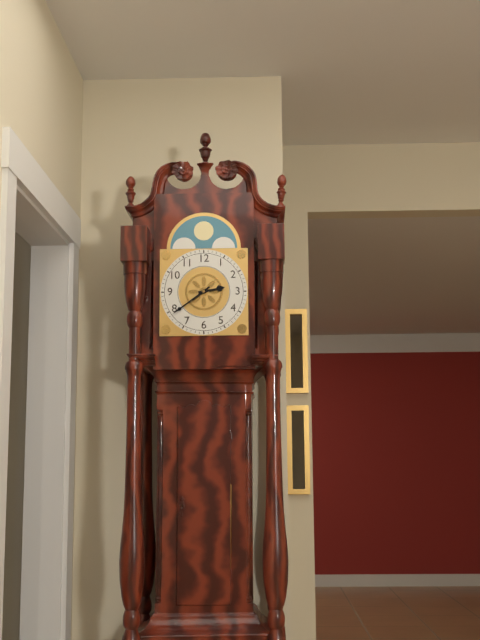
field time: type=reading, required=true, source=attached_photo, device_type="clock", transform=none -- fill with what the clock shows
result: 2:39
